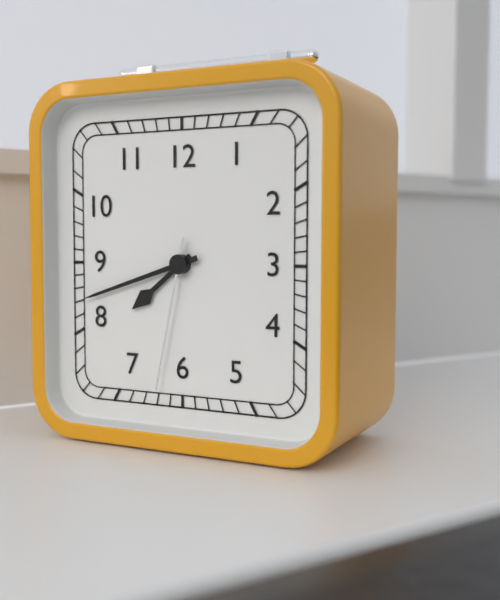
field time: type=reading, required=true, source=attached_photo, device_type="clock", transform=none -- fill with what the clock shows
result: 7:42:32
